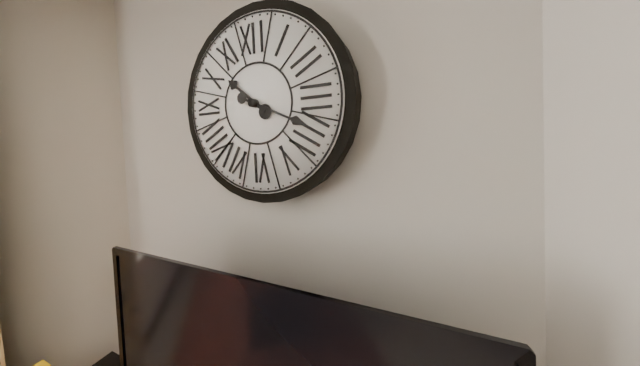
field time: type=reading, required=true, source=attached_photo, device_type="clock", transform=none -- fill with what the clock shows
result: 10:19
